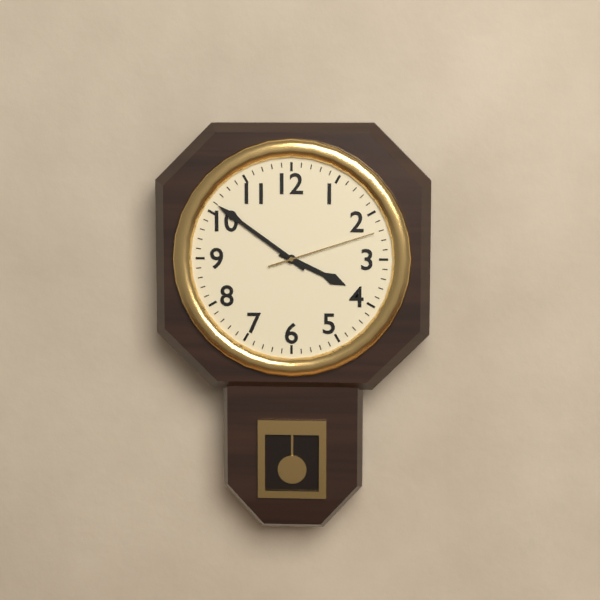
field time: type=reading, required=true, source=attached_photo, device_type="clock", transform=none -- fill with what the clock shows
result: 3:51:12
